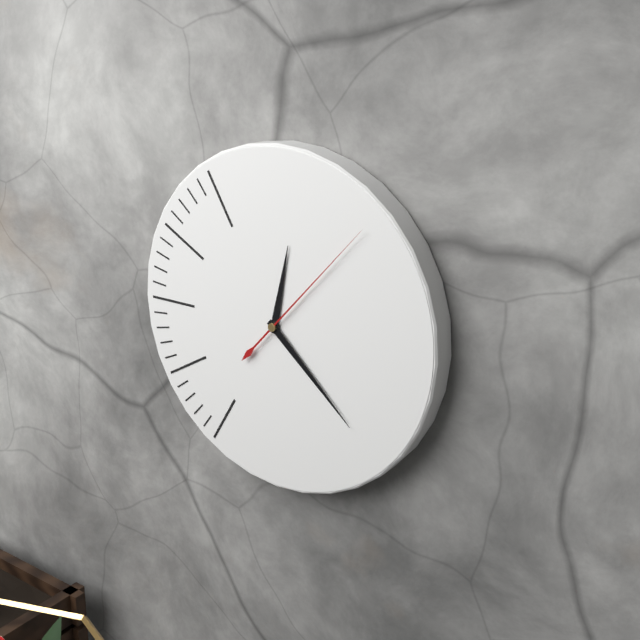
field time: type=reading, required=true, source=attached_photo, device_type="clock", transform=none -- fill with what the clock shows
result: 12:22:07
